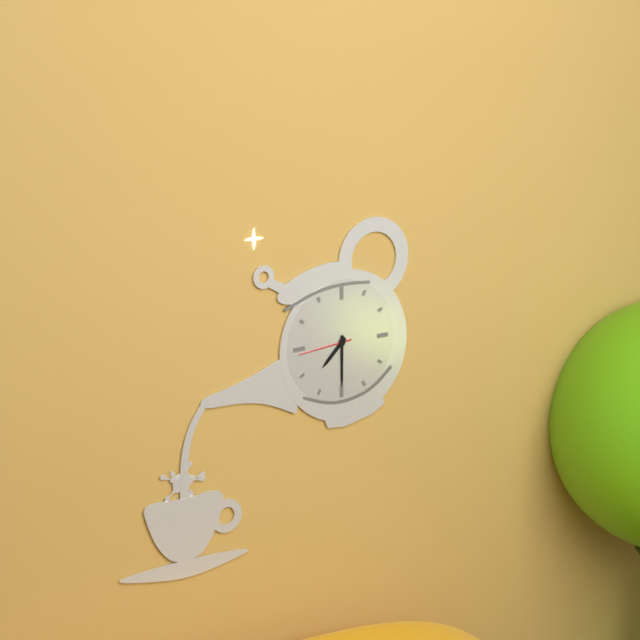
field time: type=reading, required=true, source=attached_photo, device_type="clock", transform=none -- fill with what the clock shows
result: 7:30:44
